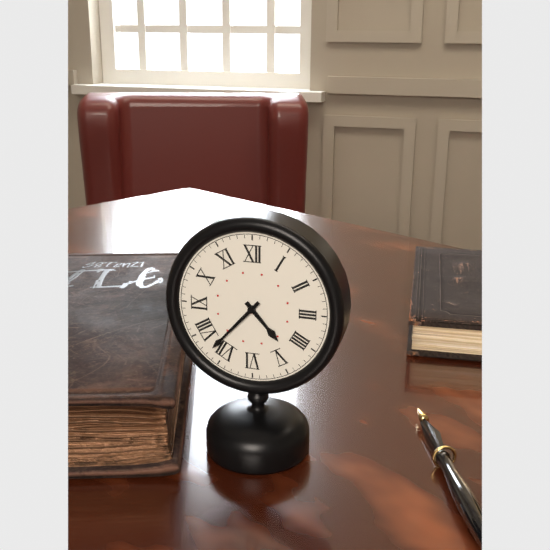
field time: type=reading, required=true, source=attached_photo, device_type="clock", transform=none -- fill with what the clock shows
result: 4:37
